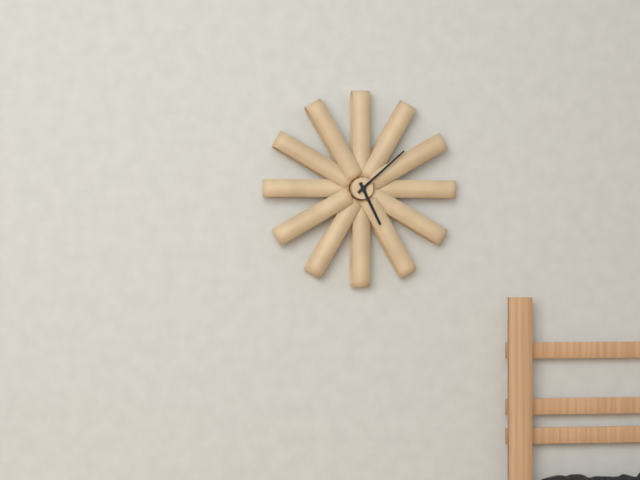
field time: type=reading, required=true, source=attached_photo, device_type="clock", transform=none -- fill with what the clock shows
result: 5:08
